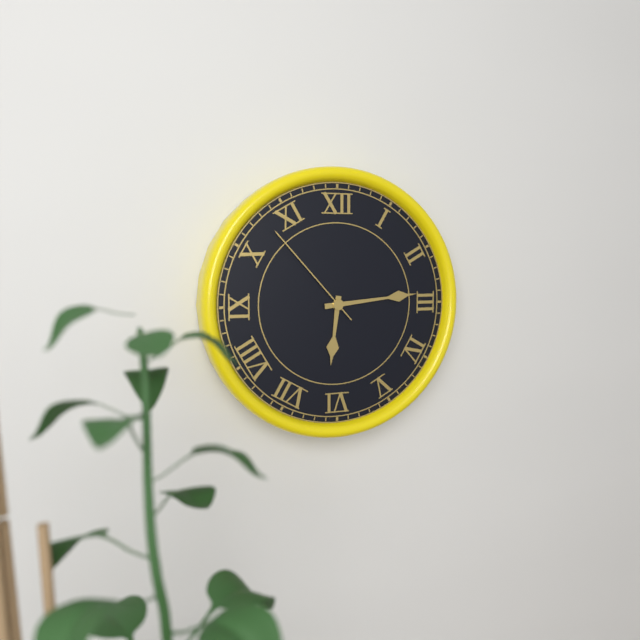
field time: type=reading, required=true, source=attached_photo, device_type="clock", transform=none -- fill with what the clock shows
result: 6:14:53
